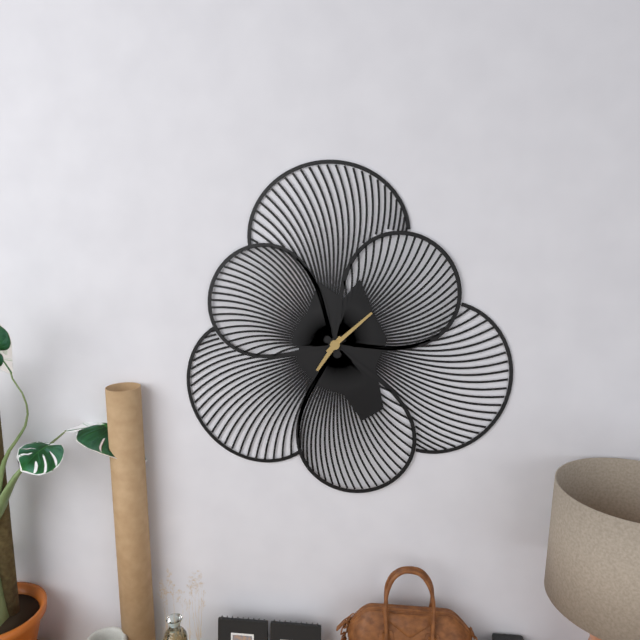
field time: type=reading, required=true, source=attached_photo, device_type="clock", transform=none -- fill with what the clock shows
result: 7:08
